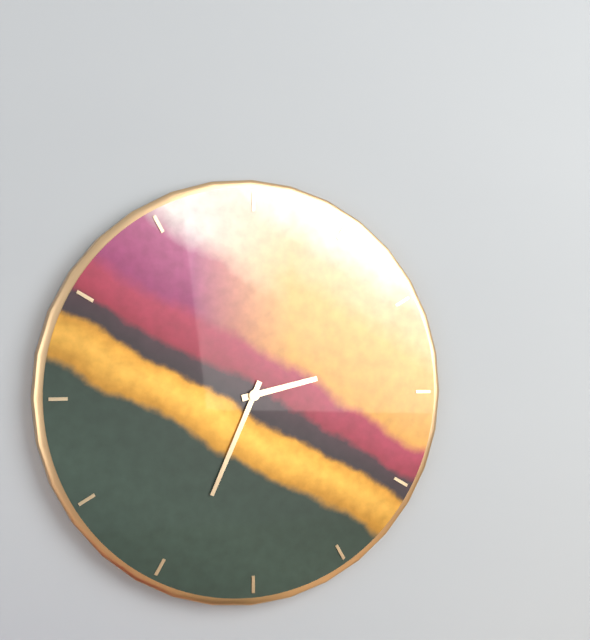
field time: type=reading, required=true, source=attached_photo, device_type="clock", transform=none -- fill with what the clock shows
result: 2:34
